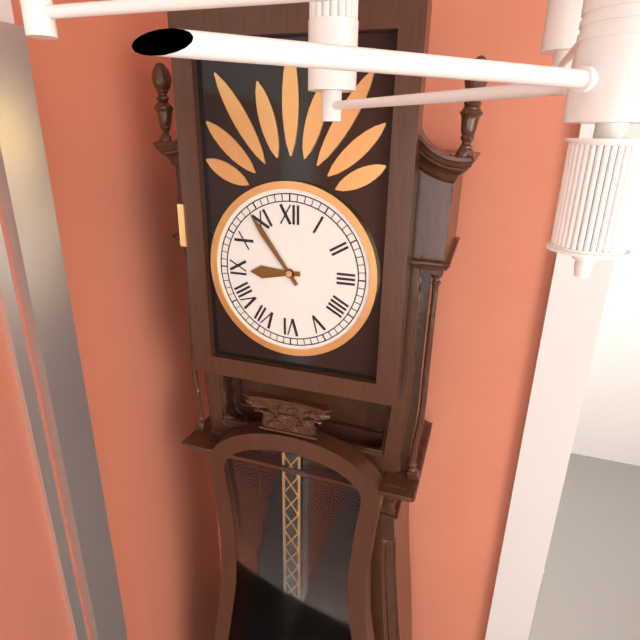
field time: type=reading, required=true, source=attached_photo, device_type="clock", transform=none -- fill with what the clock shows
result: 8:54
